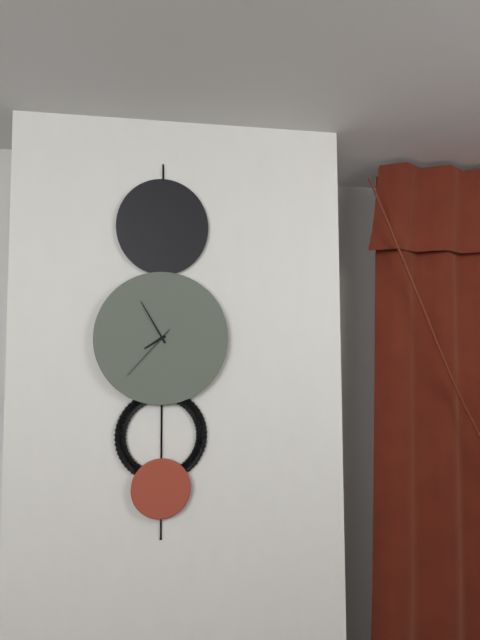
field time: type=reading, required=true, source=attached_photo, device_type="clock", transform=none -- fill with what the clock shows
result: 7:55:37
